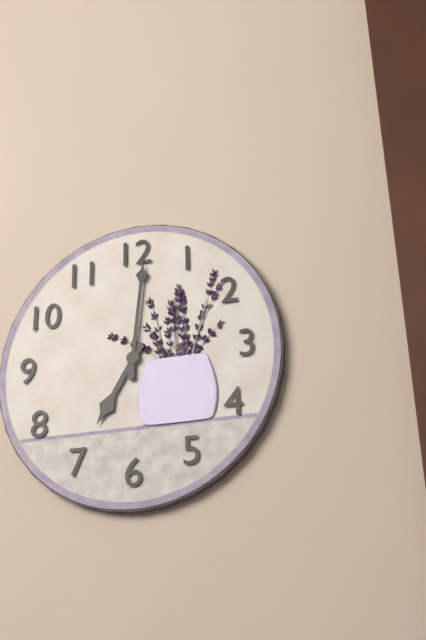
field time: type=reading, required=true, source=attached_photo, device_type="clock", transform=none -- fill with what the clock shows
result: 7:01
